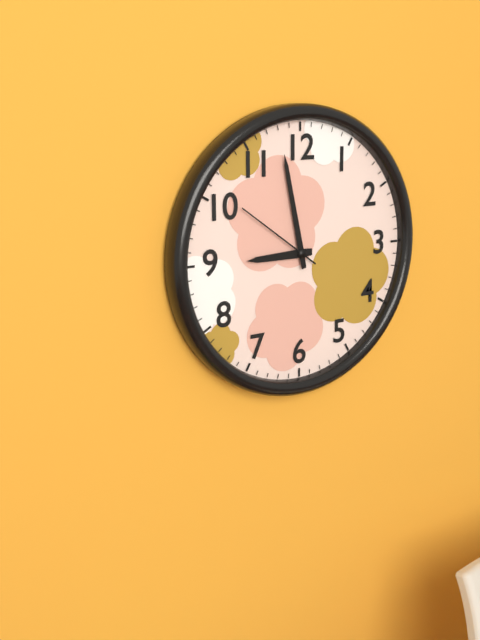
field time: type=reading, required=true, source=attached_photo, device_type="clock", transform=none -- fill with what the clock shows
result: 8:58:51
